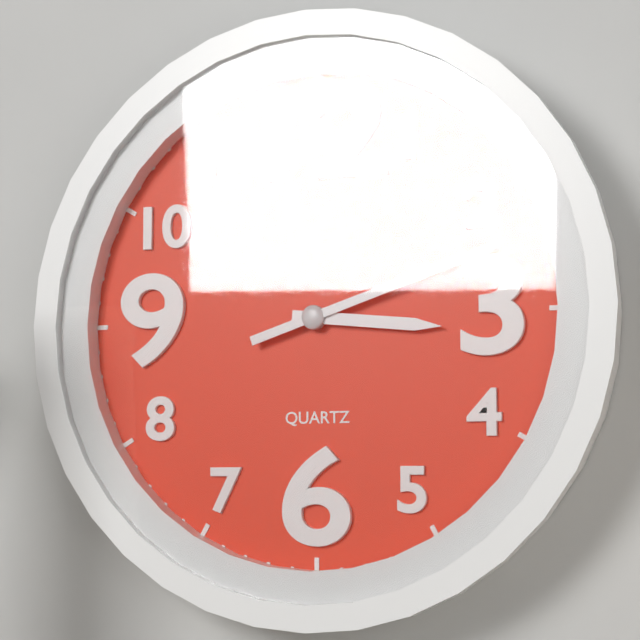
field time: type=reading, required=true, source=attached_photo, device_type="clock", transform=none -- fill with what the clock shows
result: 3:12
